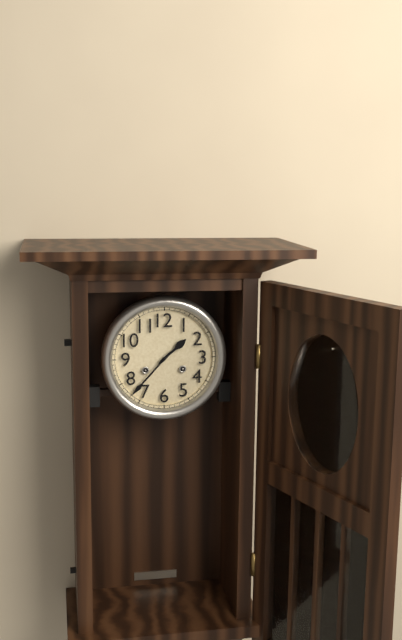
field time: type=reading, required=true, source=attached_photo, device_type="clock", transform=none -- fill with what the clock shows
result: 1:37
